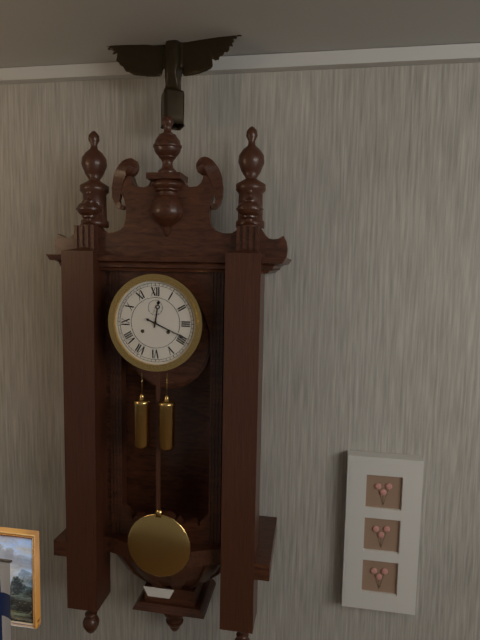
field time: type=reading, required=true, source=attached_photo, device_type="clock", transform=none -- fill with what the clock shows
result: 12:19
